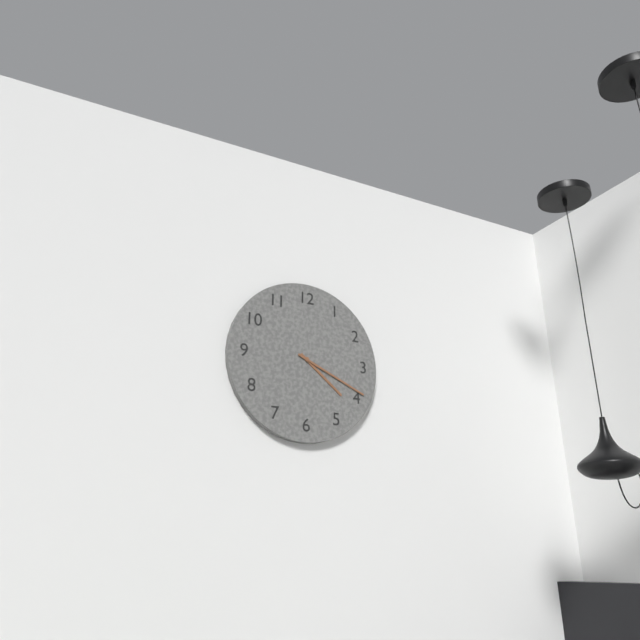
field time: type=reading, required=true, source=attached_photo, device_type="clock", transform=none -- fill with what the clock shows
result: 4:19
